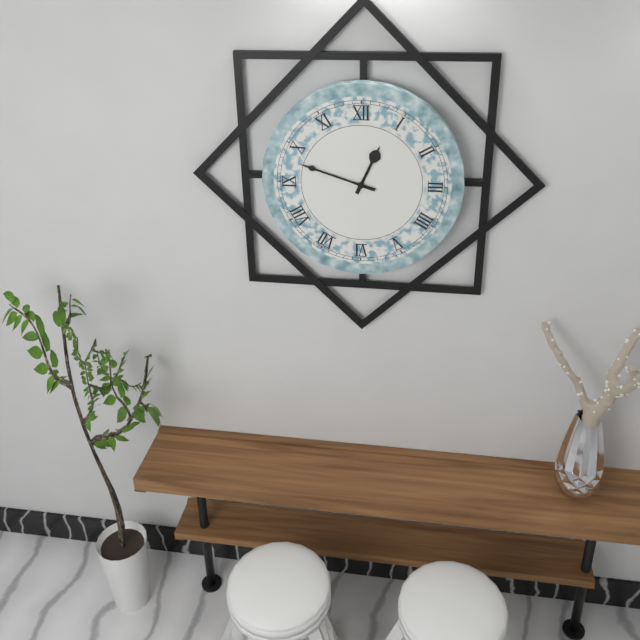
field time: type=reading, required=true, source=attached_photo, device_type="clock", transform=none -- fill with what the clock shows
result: 12:48
